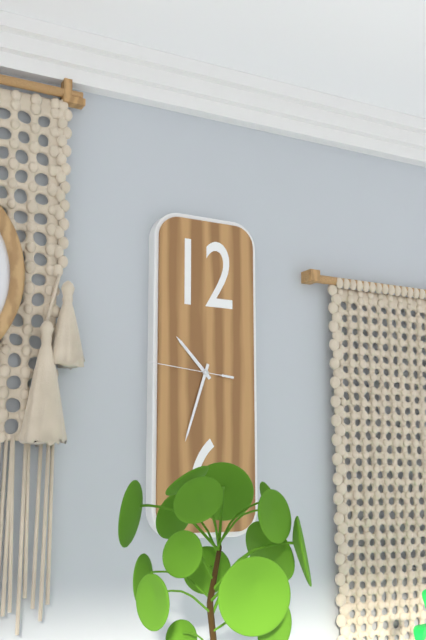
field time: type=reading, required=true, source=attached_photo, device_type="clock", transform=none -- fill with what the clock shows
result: 10:33:46
